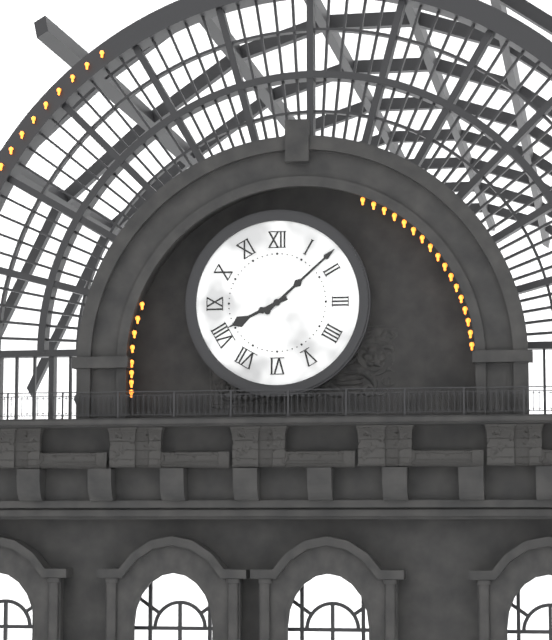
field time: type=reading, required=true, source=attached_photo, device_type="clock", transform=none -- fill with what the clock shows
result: 8:08
